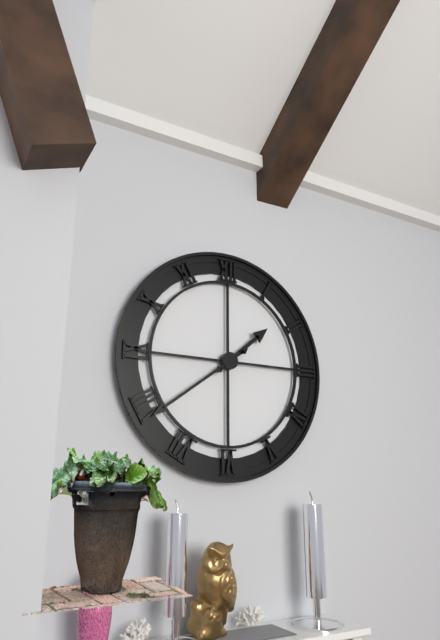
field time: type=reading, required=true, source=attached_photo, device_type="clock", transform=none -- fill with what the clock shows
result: 1:39
